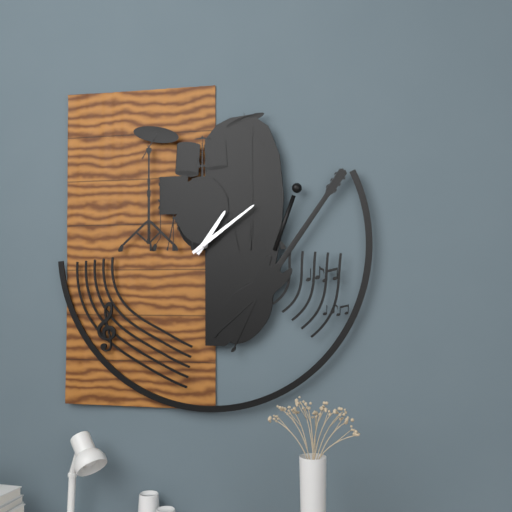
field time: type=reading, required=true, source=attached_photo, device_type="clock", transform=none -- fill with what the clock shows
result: 1:09
